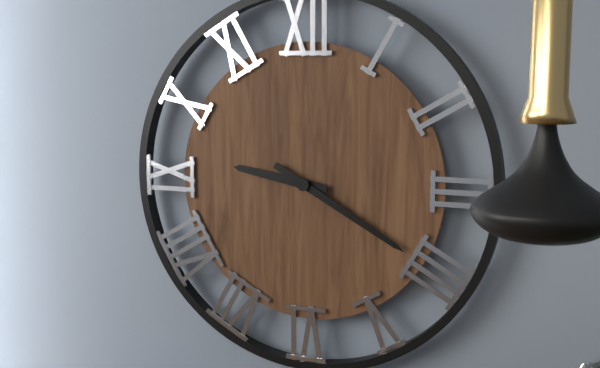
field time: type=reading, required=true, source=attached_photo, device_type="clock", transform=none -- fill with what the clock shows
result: 9:20
